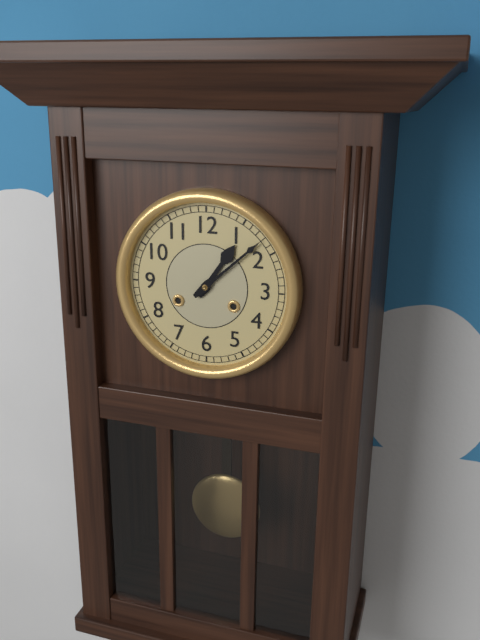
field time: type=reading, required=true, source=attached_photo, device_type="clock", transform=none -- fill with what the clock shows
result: 1:08
